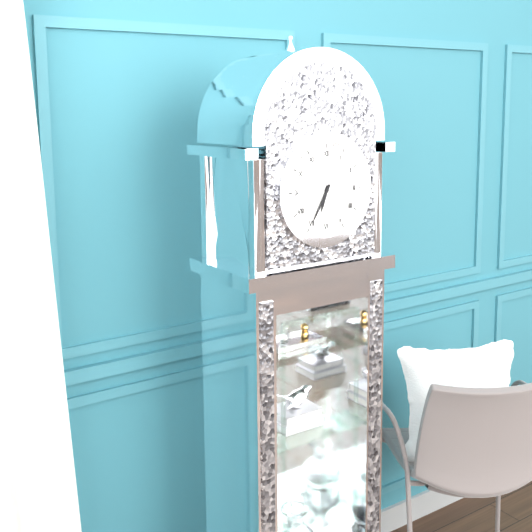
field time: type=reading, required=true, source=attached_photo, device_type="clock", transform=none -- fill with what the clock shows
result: 6:35
